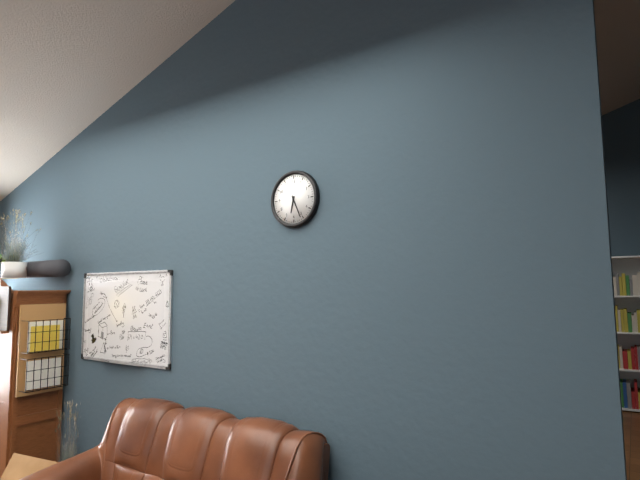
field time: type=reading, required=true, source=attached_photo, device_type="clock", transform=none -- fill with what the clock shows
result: 6:26
